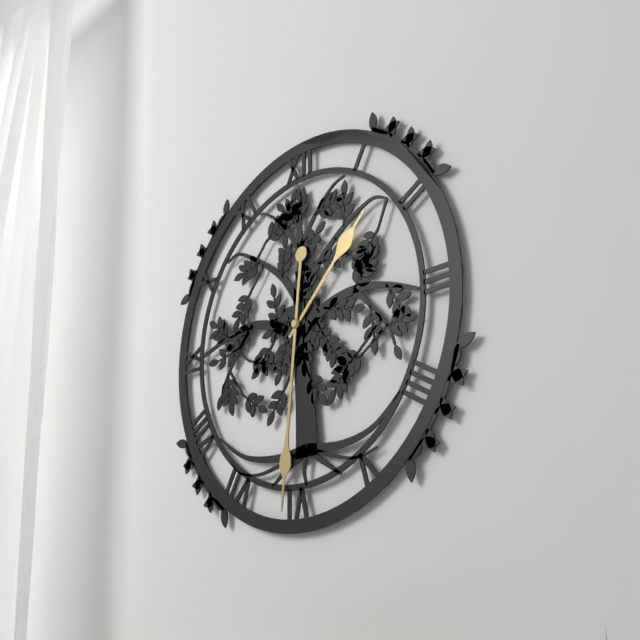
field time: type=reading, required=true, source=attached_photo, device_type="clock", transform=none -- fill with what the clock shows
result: 1:31
